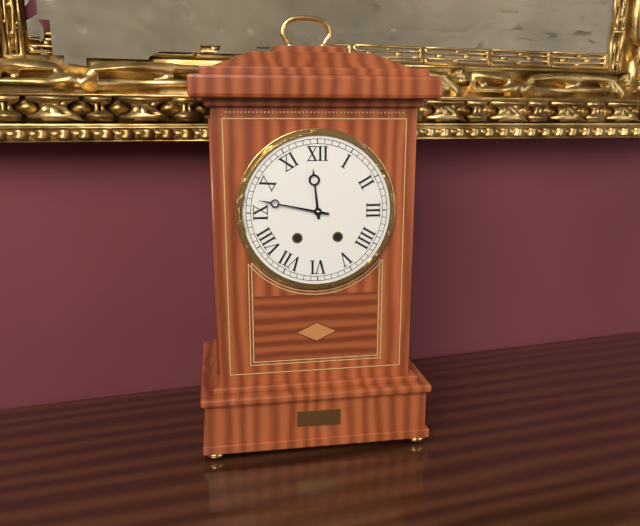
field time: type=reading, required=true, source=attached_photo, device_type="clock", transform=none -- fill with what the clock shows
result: 11:47
